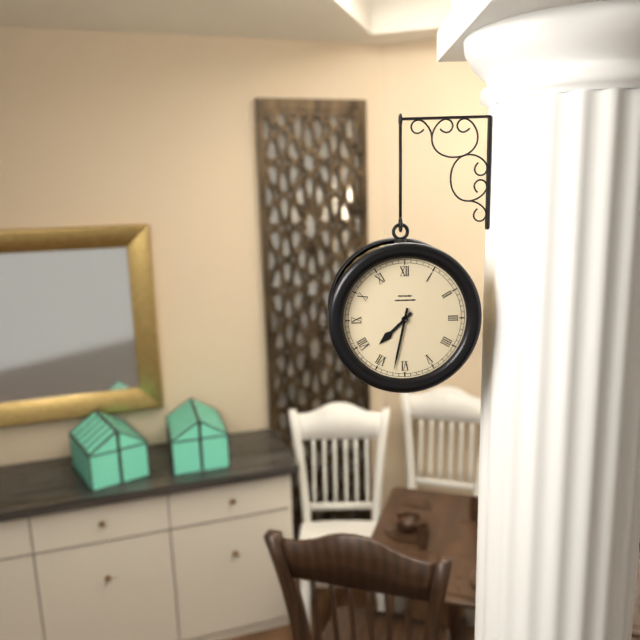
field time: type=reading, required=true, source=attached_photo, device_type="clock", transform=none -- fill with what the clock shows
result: 7:32
